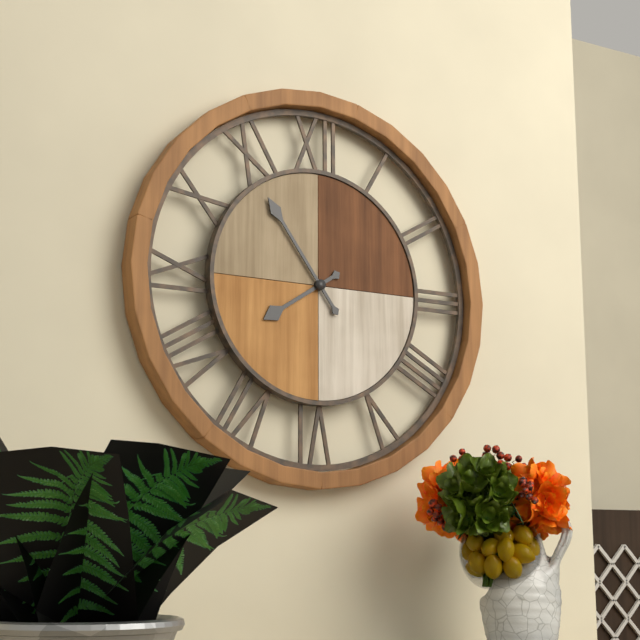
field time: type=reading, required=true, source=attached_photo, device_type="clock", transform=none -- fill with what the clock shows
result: 7:54
